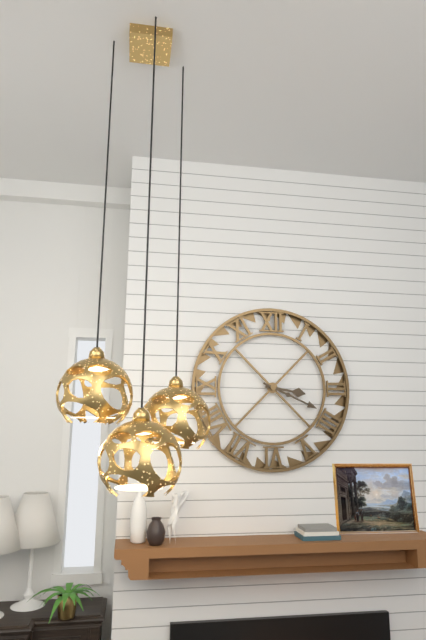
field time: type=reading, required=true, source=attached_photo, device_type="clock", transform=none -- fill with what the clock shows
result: 3:19
